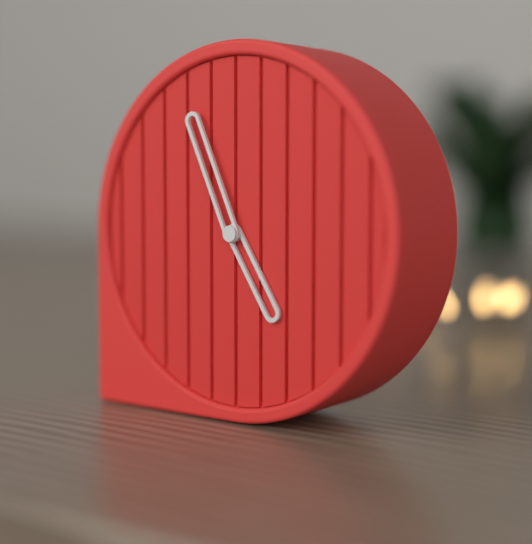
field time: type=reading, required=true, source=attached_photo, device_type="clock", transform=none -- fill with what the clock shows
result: 4:56
